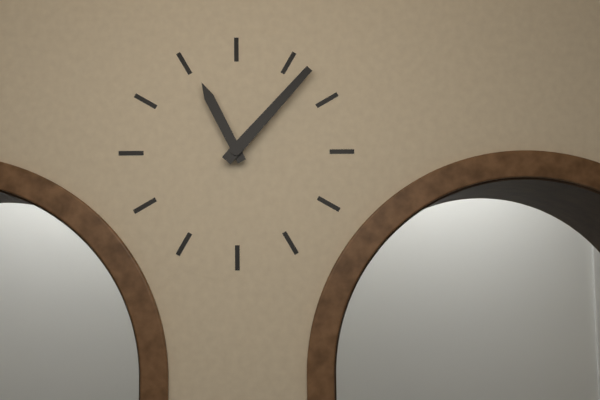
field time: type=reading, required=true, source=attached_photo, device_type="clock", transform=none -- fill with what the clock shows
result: 11:07
